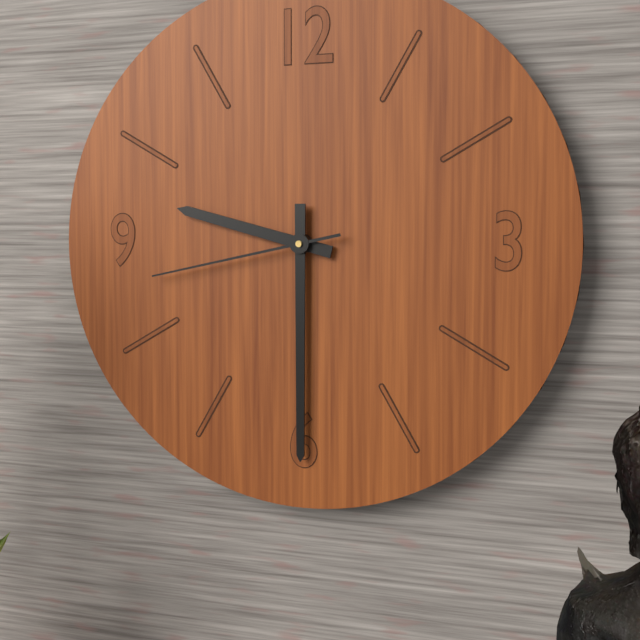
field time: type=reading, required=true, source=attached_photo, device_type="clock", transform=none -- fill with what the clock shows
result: 9:30:43
